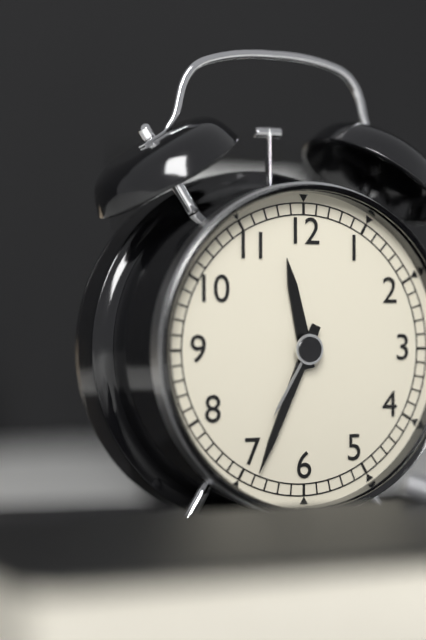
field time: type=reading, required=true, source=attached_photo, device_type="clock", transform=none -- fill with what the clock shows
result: 11:34
